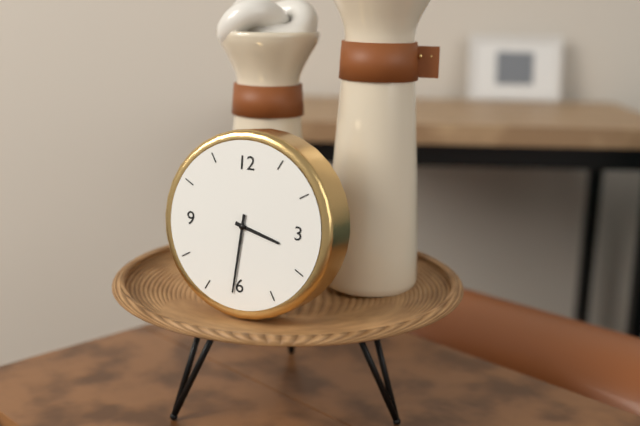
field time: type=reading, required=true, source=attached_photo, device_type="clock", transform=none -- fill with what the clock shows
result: 3:31
